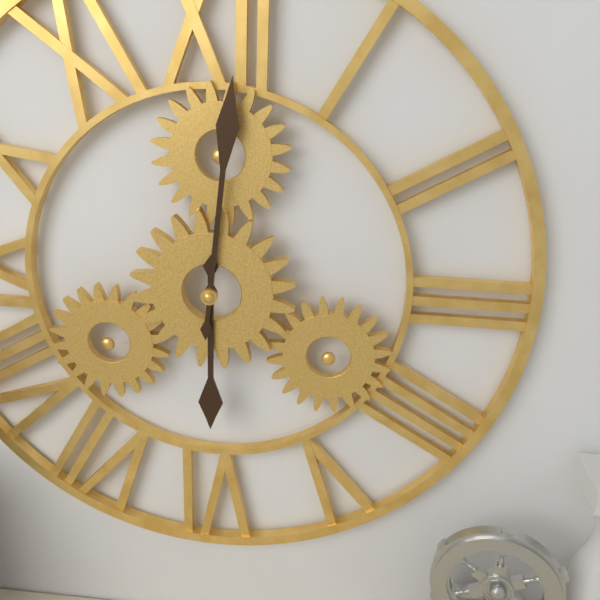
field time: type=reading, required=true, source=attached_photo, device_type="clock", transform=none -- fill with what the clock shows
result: 6:01
